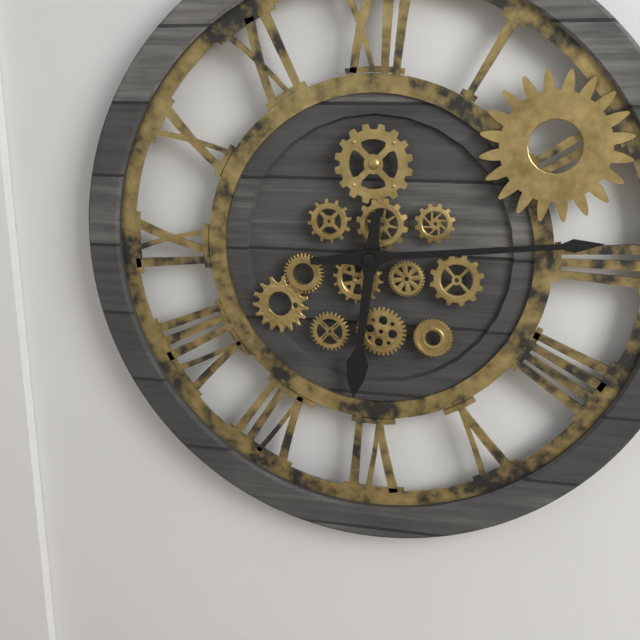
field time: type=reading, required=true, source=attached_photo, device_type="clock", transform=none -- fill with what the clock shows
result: 6:14
